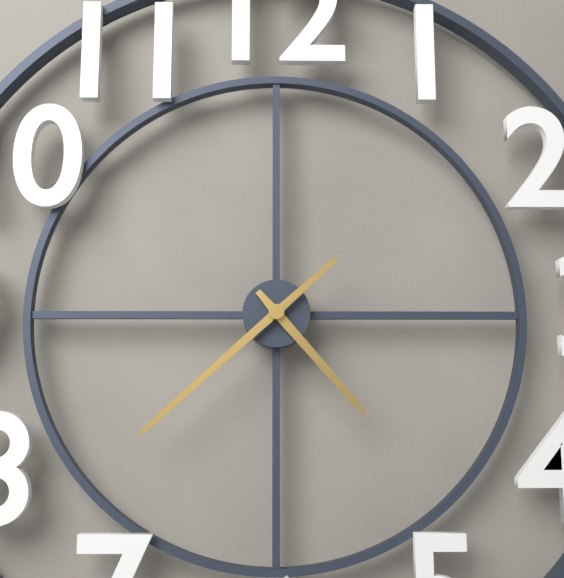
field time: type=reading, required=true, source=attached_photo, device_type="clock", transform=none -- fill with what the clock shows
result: 4:38
